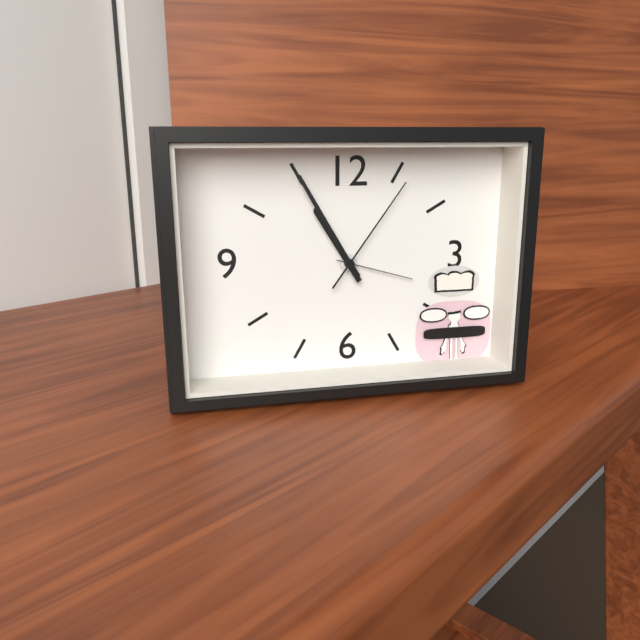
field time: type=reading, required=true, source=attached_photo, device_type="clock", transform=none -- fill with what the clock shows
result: 10:55:06
